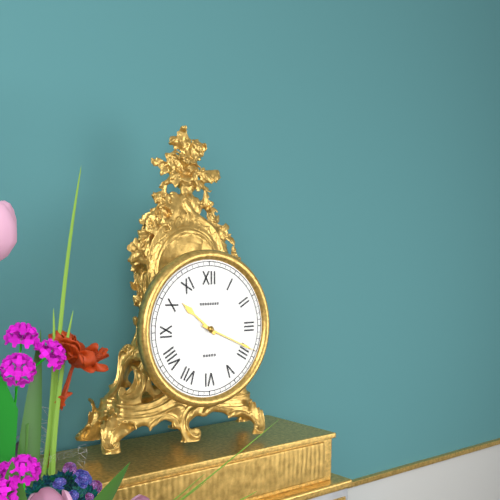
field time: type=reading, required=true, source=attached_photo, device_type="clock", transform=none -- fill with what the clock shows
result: 10:19
